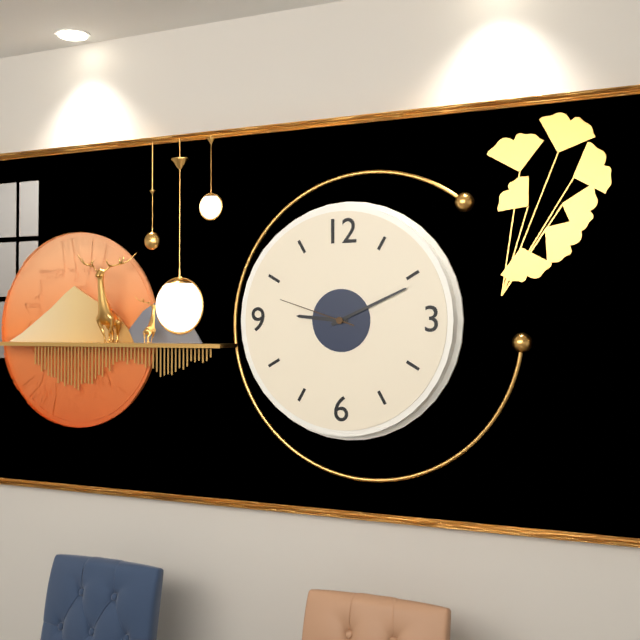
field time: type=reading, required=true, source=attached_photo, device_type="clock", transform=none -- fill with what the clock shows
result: 9:11:48
